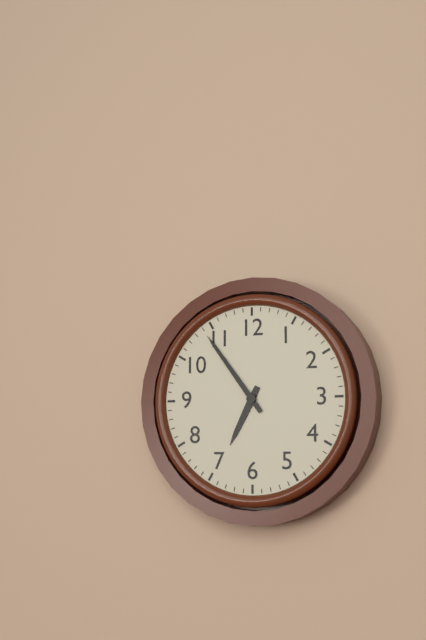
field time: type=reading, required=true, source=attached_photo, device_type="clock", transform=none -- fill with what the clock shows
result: 6:54
